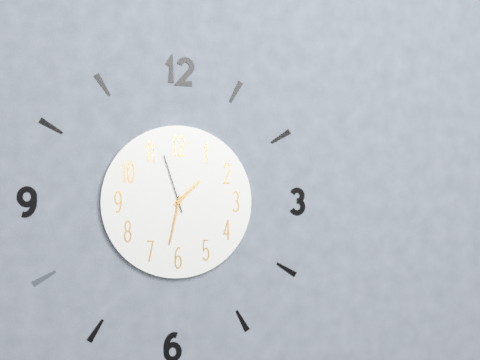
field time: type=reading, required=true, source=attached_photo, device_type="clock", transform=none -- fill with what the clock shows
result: 1:32:57
